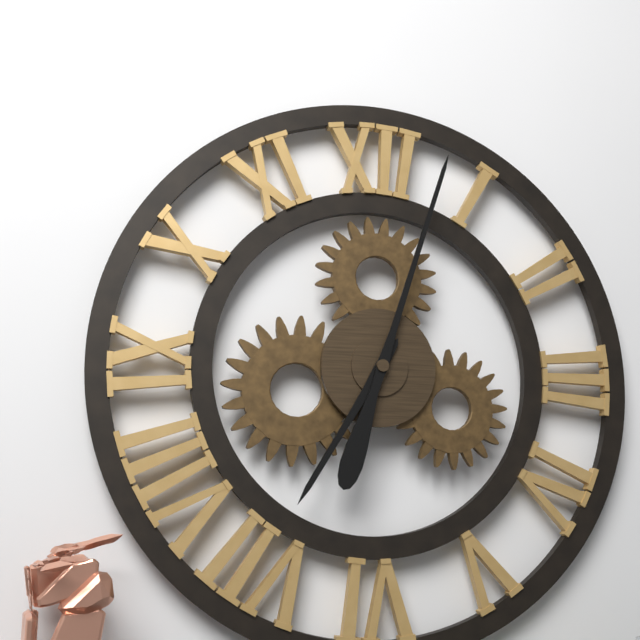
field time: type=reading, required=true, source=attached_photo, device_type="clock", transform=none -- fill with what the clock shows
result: 7:03
